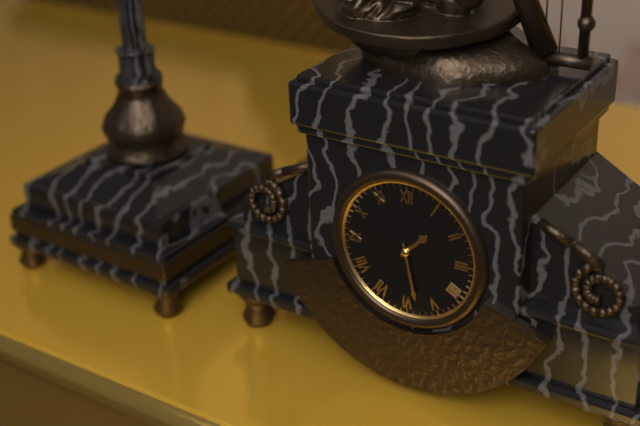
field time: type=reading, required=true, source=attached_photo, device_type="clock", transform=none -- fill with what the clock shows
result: 1:28
